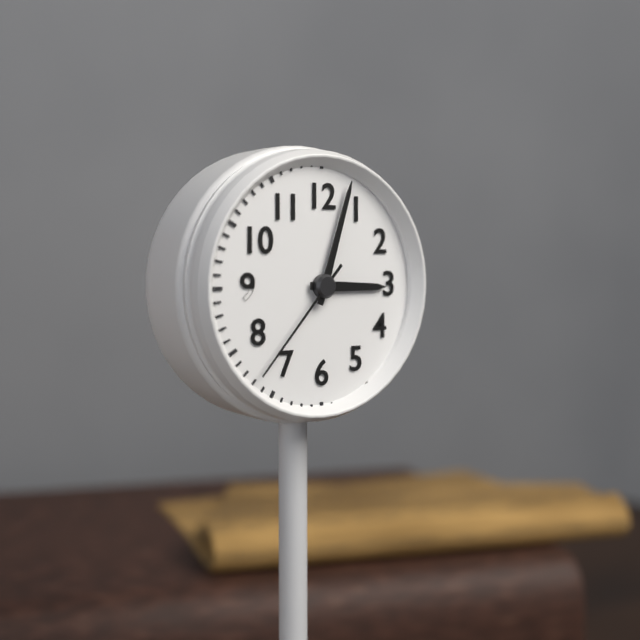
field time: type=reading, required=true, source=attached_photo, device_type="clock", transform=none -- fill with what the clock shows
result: 3:03:37
